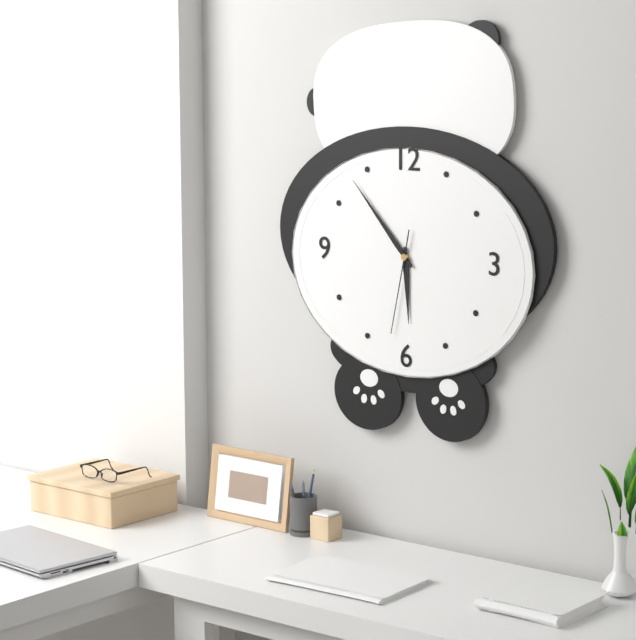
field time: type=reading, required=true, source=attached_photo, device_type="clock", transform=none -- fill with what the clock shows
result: 5:53:32
